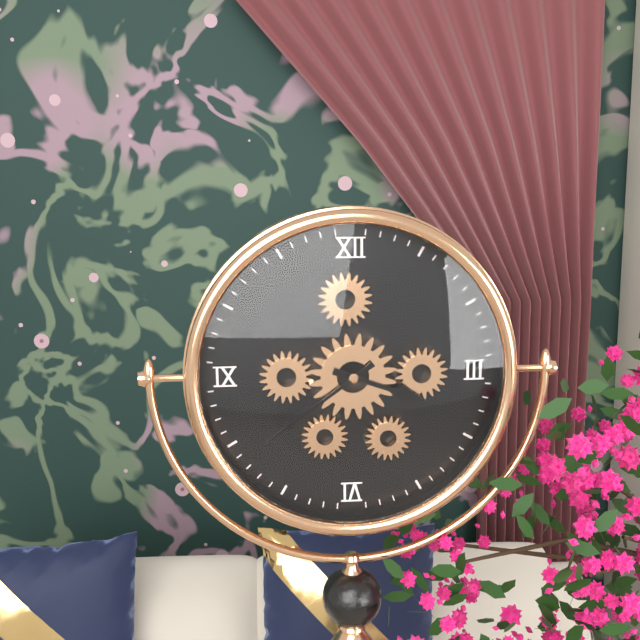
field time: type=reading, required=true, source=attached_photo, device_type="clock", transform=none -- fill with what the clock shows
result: 3:39
